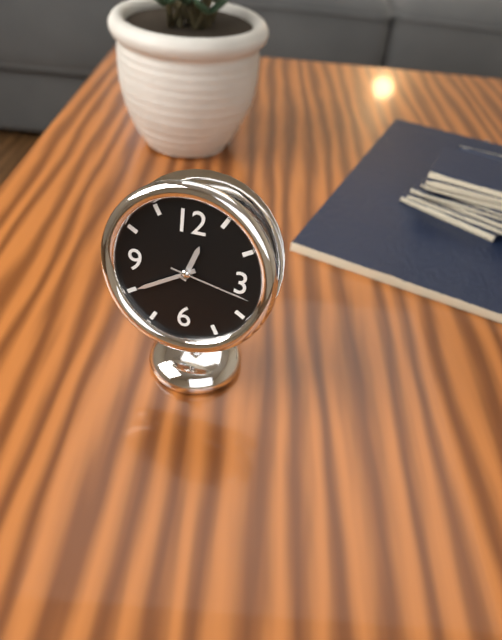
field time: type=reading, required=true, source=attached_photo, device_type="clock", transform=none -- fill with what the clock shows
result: 12:40:17
